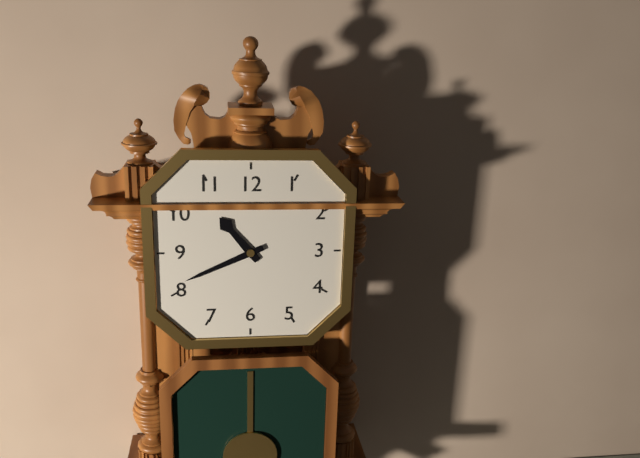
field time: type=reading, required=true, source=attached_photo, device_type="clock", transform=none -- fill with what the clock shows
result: 10:41
